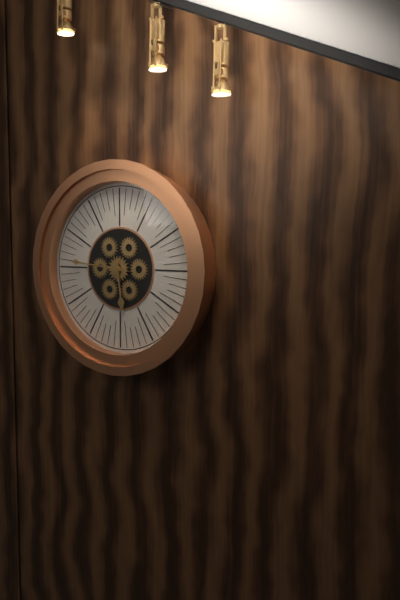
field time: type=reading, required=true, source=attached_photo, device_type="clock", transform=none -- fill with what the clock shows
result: 5:46
